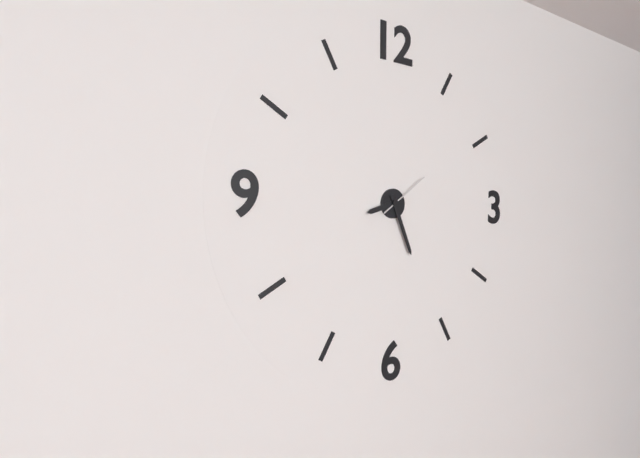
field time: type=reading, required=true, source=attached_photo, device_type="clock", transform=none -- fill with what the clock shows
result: 8:26
